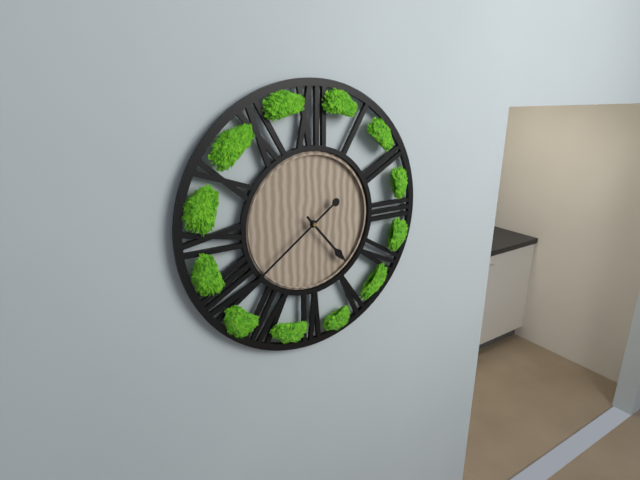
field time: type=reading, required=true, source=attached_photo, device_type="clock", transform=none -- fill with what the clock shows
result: 4:39
